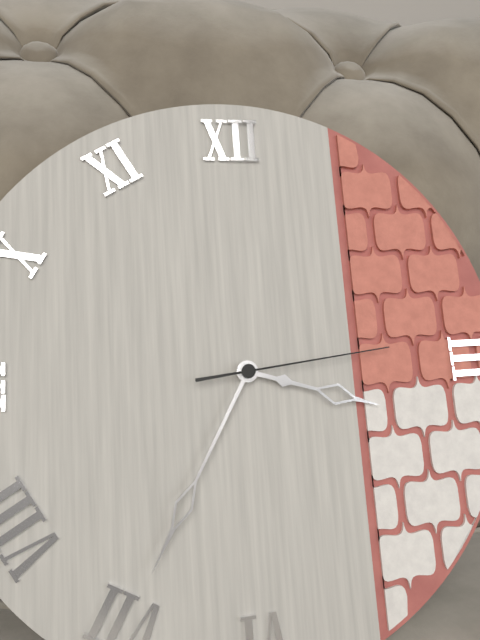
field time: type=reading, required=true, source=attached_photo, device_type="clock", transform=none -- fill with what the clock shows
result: 3:35:14
